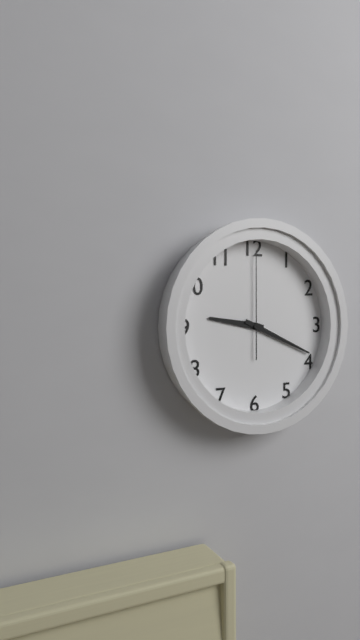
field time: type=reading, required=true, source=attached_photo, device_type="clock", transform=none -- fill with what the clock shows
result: 9:19:00
